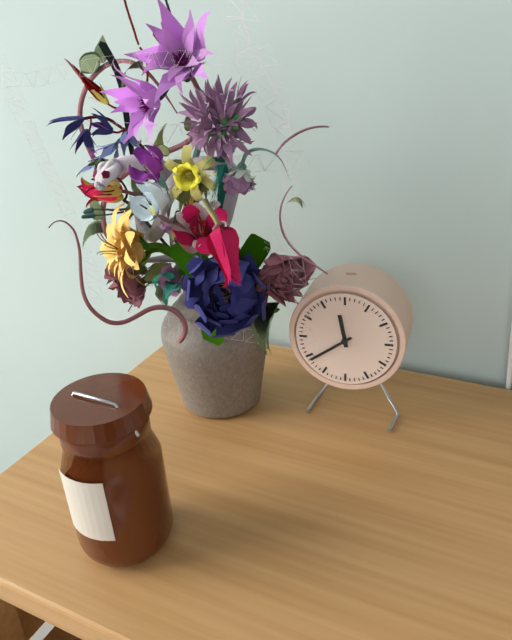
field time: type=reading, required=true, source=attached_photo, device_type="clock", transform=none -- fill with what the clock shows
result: 11:39
